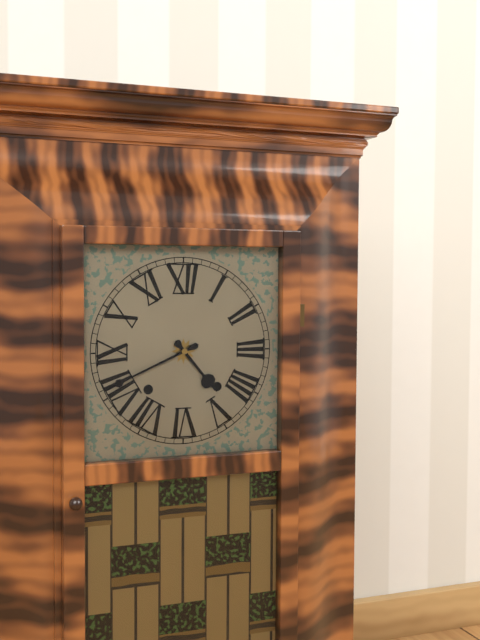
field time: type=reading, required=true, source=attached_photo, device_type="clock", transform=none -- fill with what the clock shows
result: 4:41
